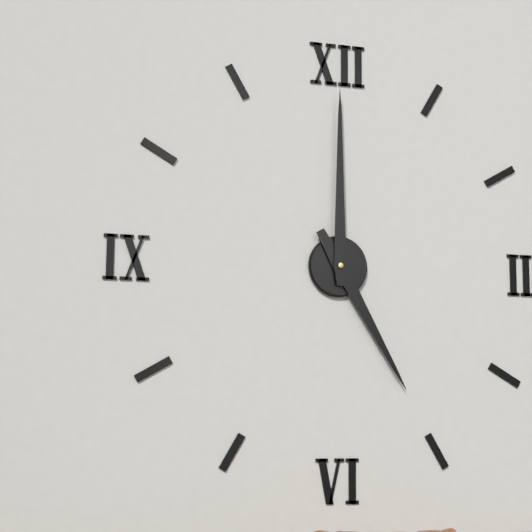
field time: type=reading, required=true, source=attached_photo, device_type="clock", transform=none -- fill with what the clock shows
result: 5:00
